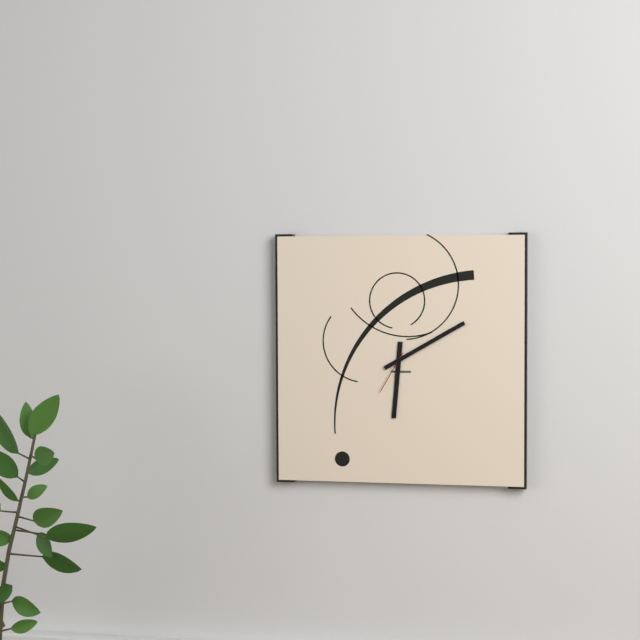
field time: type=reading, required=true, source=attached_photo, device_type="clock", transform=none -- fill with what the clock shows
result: 6:10
